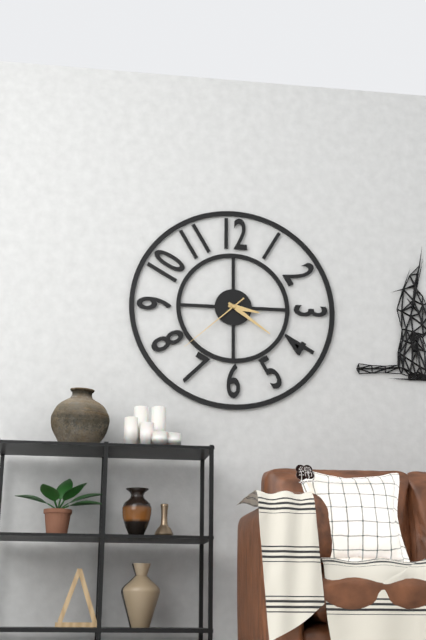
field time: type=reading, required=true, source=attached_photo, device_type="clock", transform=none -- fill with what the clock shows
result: 3:21:38
